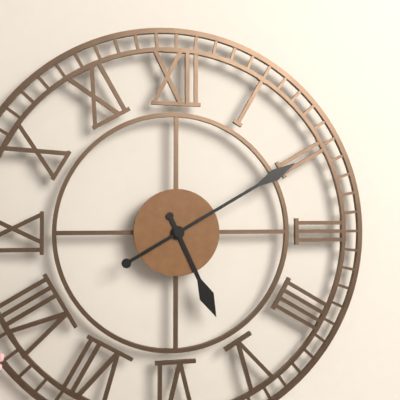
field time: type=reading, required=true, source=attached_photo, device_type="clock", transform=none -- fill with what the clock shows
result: 5:10
